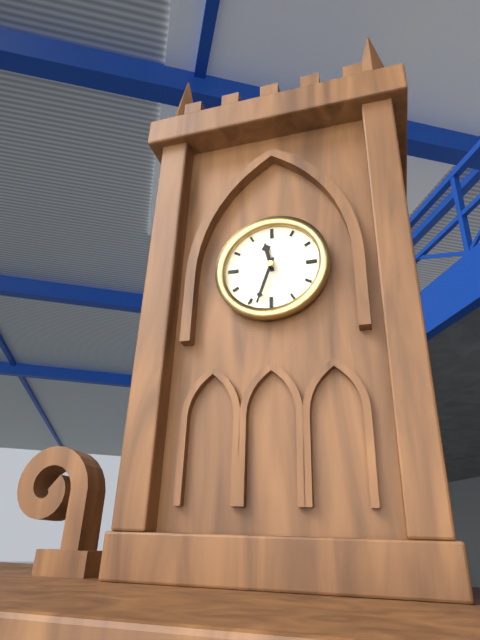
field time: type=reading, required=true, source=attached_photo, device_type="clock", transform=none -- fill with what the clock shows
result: 11:33
